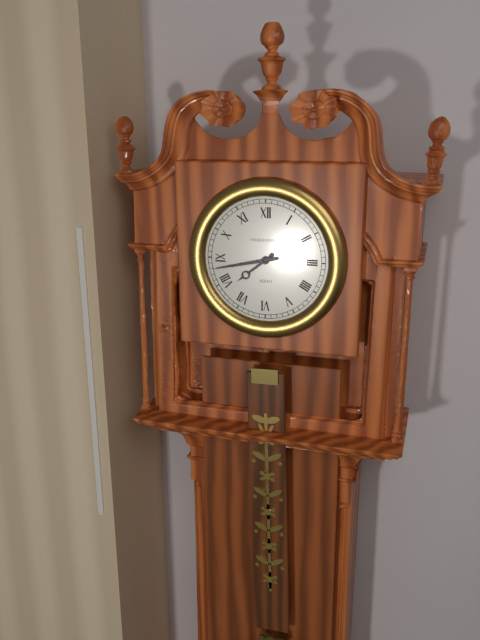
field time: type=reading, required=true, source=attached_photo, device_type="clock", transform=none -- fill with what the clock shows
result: 7:43
